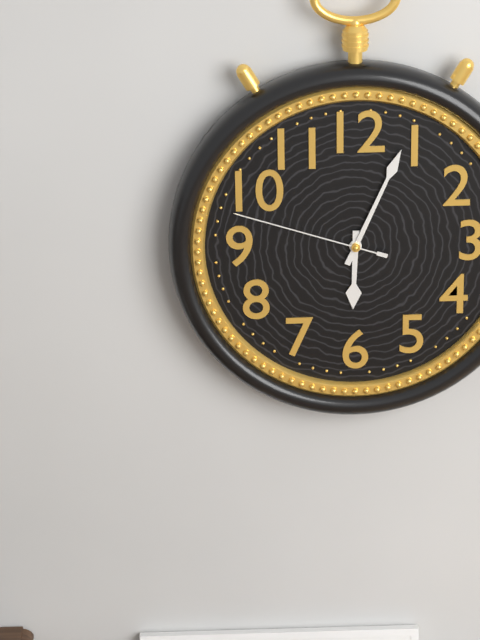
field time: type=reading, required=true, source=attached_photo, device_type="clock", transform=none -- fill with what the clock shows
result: 6:04:48
